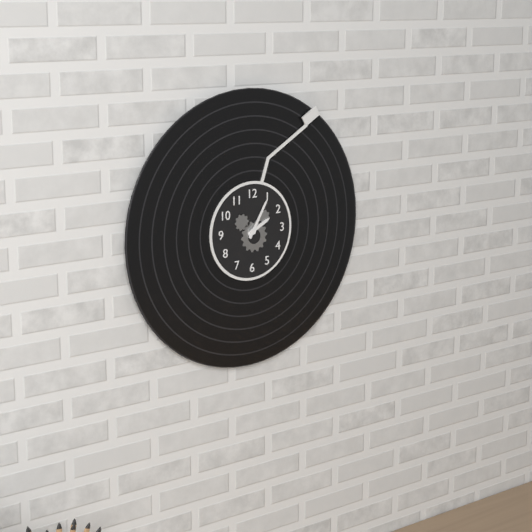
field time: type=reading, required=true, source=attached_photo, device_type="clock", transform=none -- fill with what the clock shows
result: 2:05
